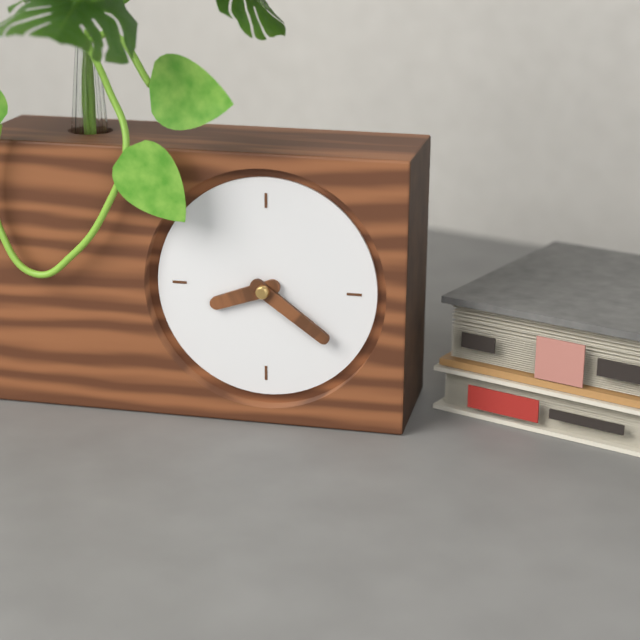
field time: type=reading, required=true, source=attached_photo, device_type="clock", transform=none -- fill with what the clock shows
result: 8:21
